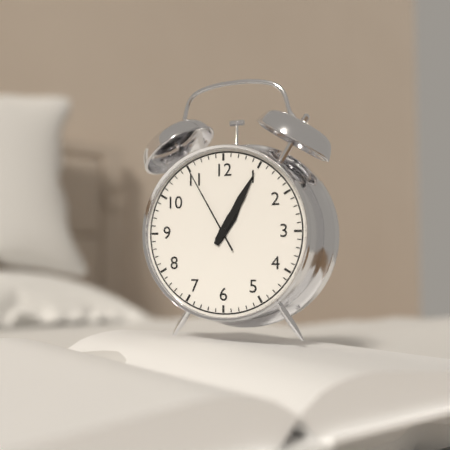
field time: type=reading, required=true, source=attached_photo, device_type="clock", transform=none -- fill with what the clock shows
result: 1:05:55
